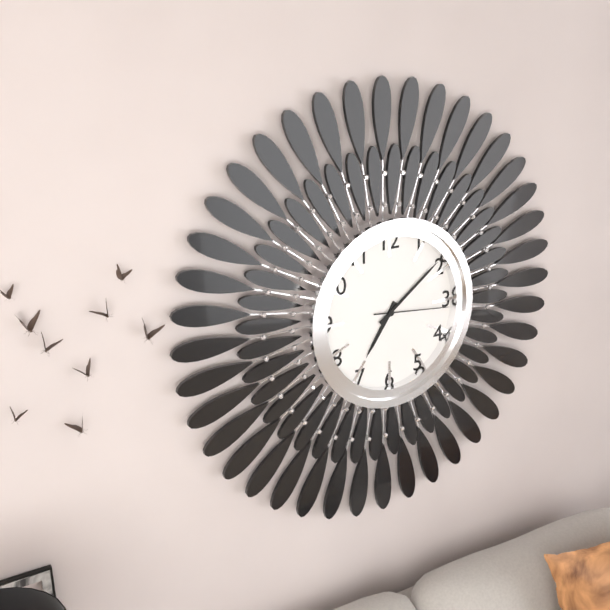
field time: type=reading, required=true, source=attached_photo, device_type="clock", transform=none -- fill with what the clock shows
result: 7:09:16
